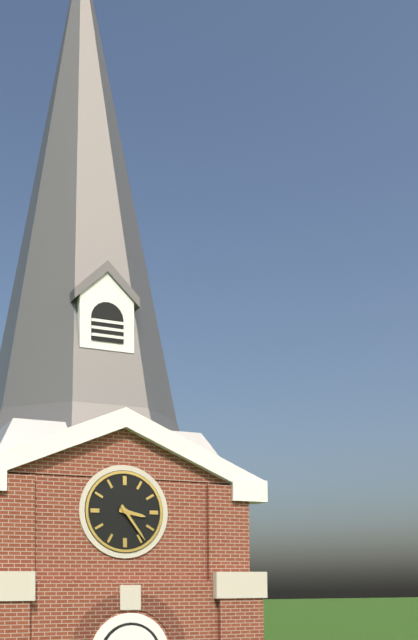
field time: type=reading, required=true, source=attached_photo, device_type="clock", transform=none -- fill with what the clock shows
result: 3:24
